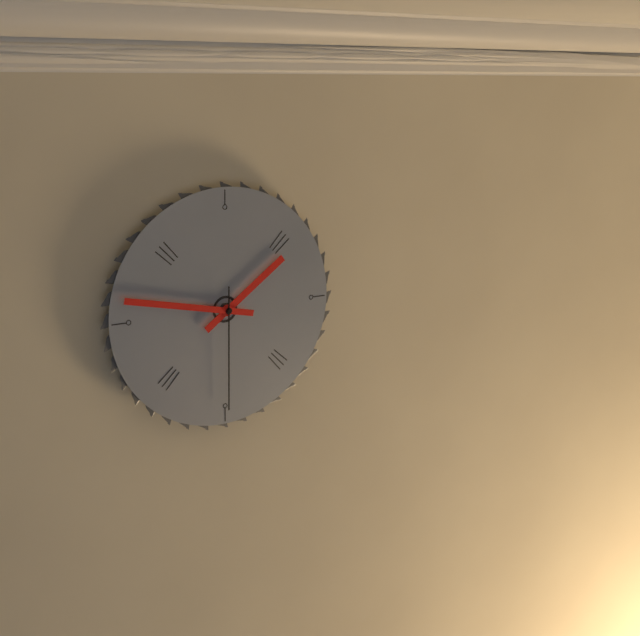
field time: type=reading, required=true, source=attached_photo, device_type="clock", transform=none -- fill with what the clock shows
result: 1:47:30
